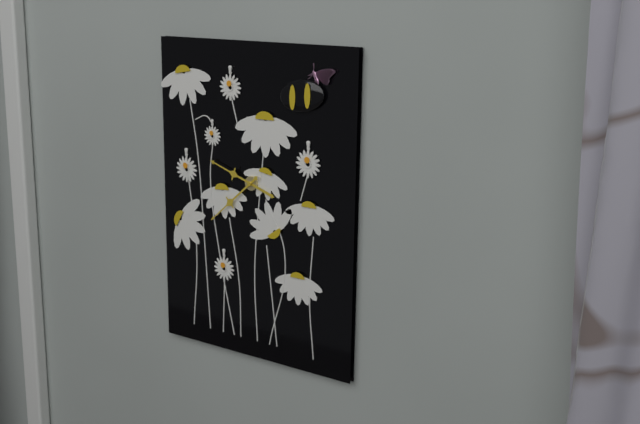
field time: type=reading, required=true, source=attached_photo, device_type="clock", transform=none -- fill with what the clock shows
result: 9:38
